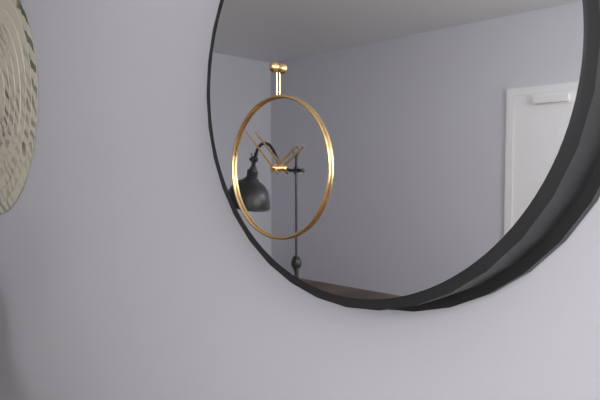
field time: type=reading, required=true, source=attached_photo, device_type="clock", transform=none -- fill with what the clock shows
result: 1:52
